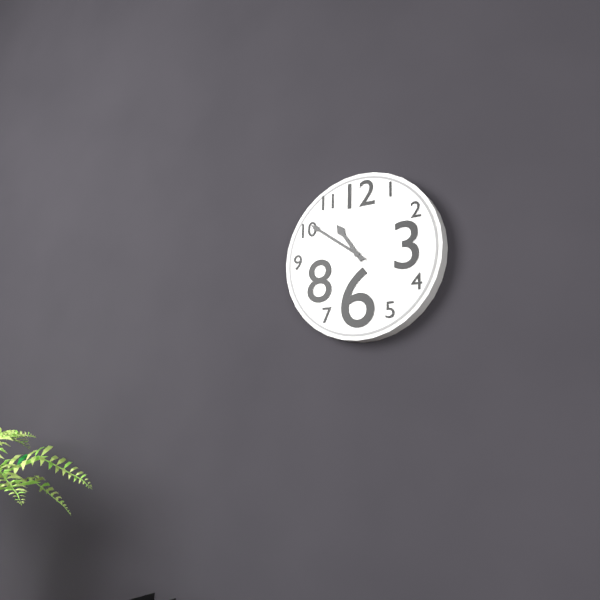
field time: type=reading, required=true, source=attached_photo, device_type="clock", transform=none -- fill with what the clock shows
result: 10:51
